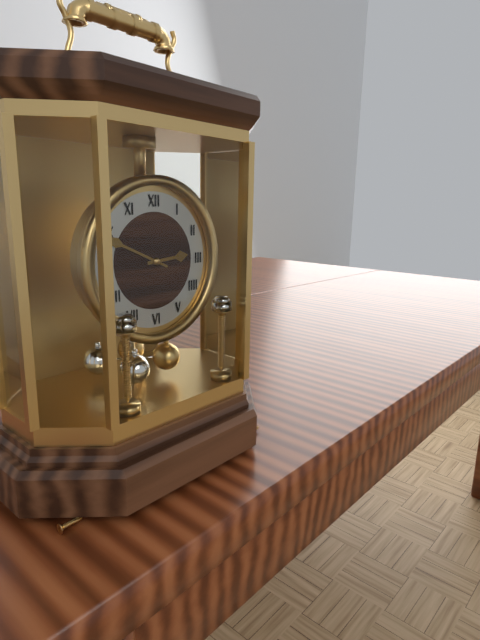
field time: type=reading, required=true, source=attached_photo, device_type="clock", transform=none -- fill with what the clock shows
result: 2:49
